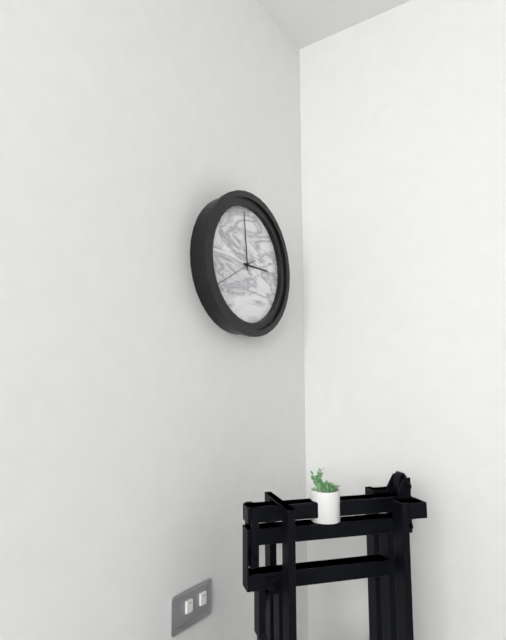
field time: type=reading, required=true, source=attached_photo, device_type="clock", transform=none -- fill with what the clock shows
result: 2:59
